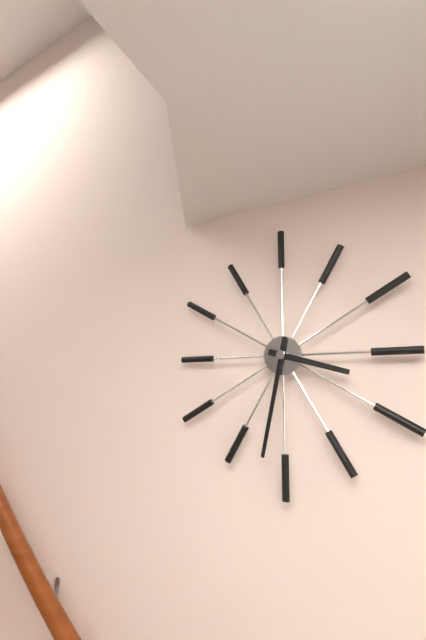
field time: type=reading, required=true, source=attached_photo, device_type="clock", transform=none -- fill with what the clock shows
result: 3:32
